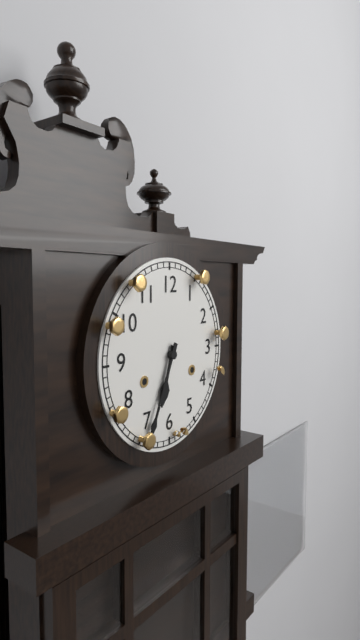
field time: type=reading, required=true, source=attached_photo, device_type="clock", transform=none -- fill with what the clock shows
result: 6:34
